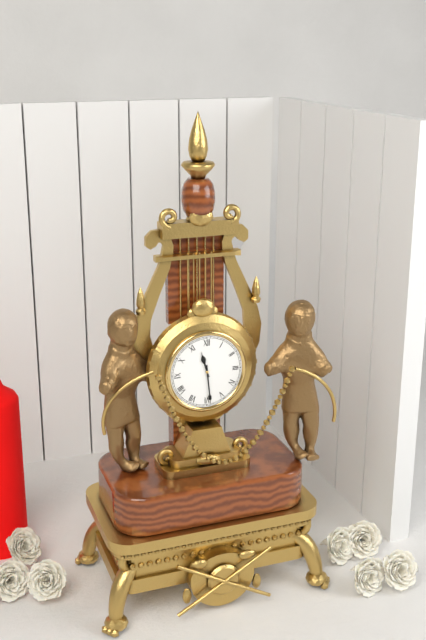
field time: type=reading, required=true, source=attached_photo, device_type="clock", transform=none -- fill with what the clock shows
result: 11:29
